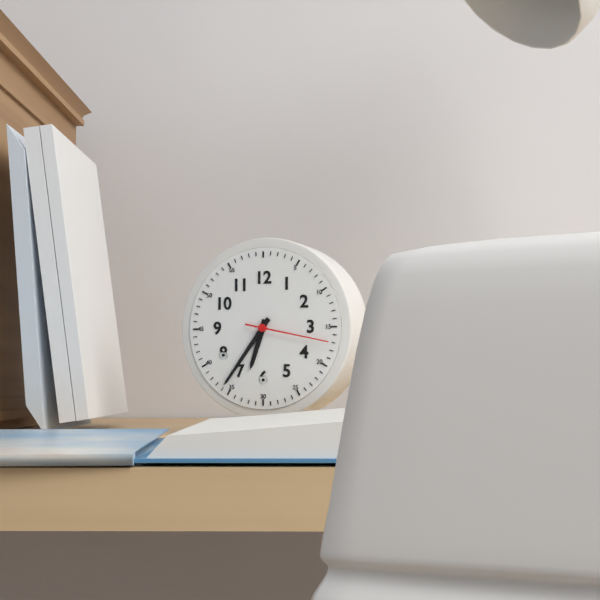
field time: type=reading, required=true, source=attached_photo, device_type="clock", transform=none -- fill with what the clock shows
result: 6:36:17
